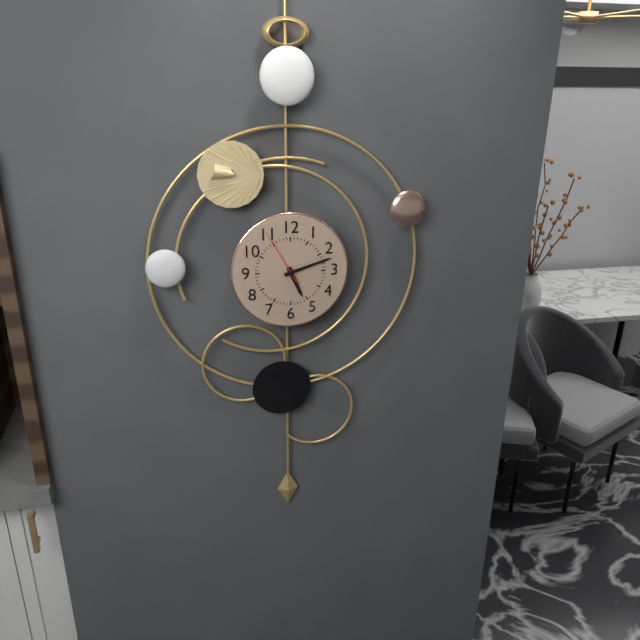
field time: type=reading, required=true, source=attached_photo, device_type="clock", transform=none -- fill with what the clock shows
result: 5:12:55
